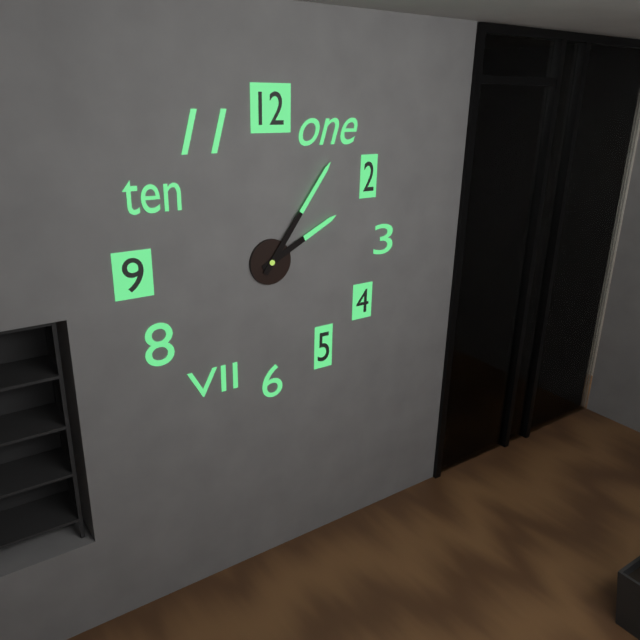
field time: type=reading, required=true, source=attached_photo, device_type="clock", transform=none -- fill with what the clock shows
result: 2:06
